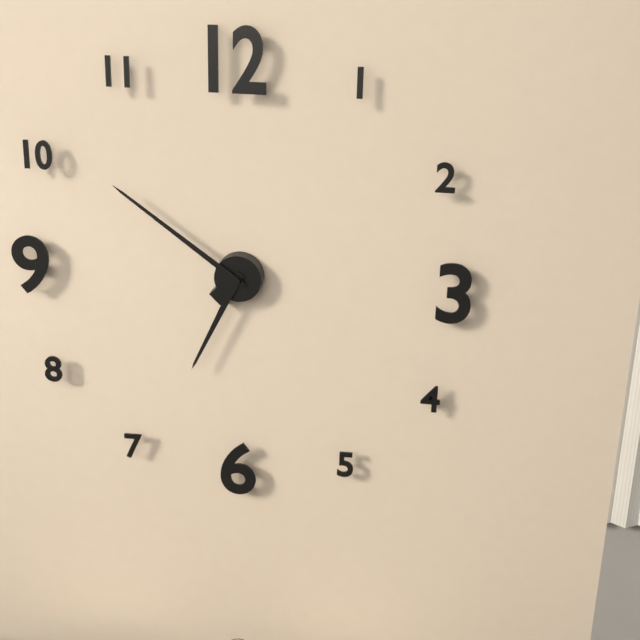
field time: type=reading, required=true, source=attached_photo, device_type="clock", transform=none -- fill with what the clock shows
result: 6:51
